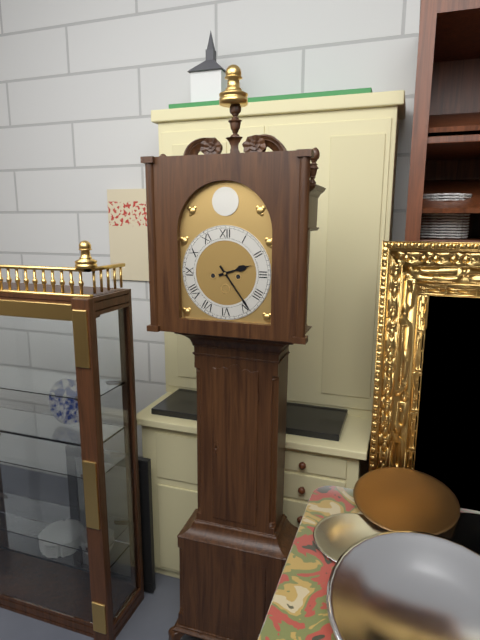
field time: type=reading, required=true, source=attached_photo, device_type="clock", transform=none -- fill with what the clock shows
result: 2:24
